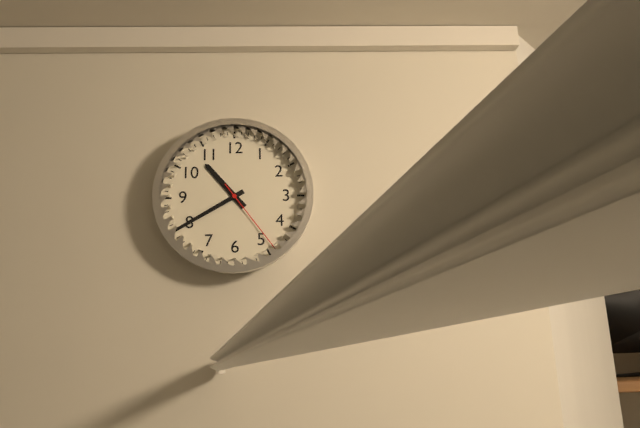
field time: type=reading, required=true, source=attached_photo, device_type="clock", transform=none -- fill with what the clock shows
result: 10:40:24
